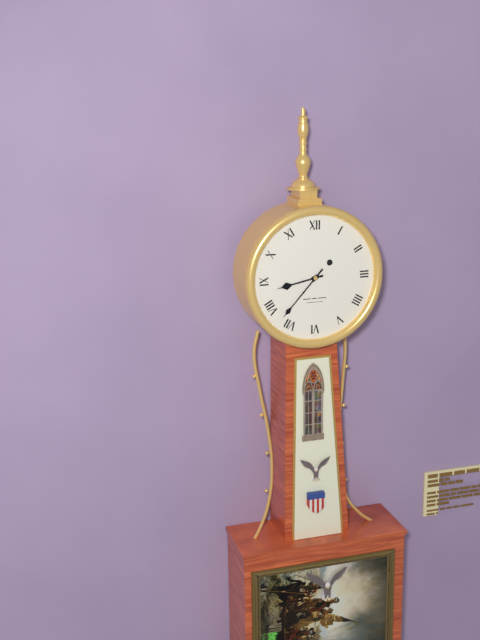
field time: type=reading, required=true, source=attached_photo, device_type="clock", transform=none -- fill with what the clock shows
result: 8:37
